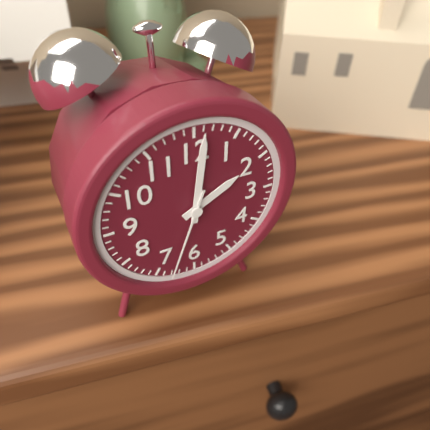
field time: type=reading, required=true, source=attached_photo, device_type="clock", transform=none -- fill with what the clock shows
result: 2:01:33
